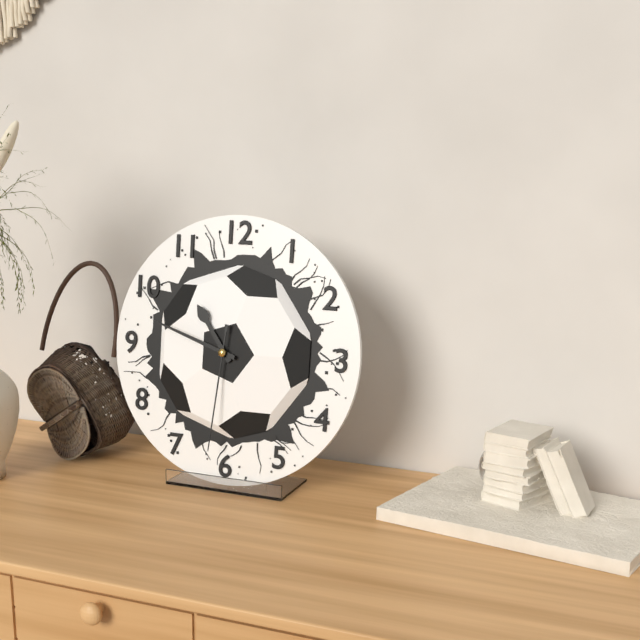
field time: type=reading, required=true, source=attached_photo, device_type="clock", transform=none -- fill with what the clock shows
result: 10:48:31
